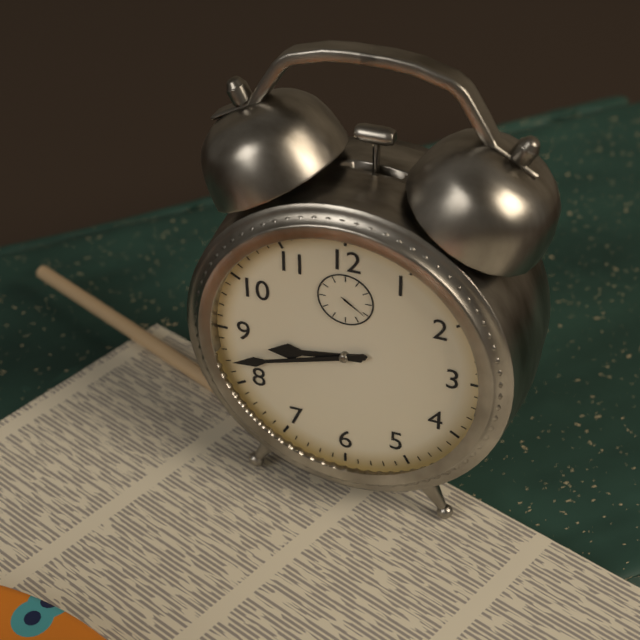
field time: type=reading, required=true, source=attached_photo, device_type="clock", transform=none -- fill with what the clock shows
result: 8:42
